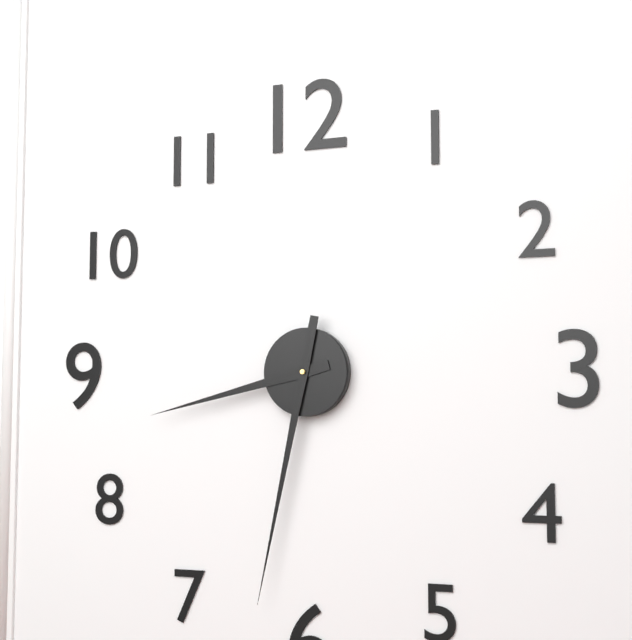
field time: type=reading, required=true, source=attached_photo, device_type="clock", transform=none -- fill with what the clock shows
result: 8:32
